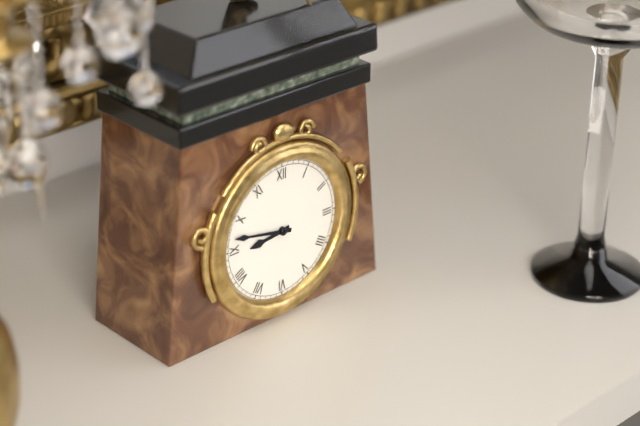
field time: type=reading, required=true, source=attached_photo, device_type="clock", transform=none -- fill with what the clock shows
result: 8:47
